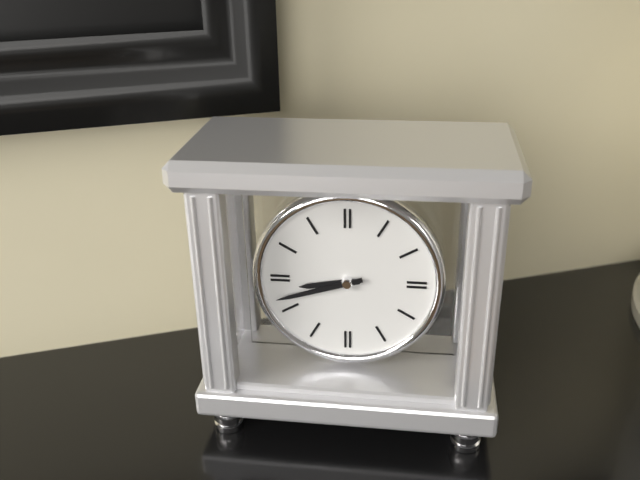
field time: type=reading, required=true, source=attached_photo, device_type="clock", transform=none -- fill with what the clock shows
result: 8:42
